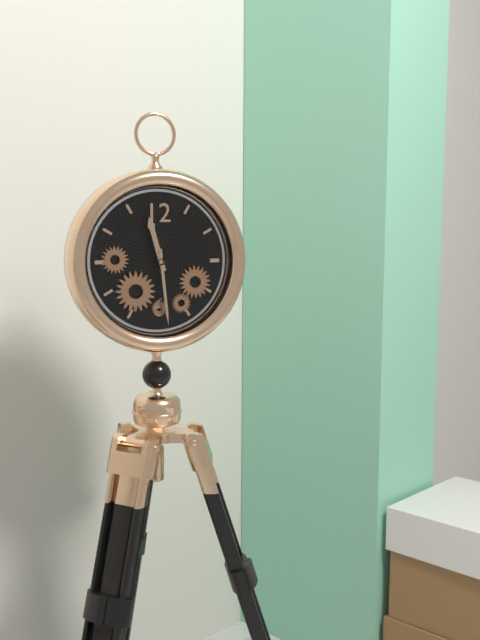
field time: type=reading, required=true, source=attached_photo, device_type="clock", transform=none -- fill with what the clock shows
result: 11:29
